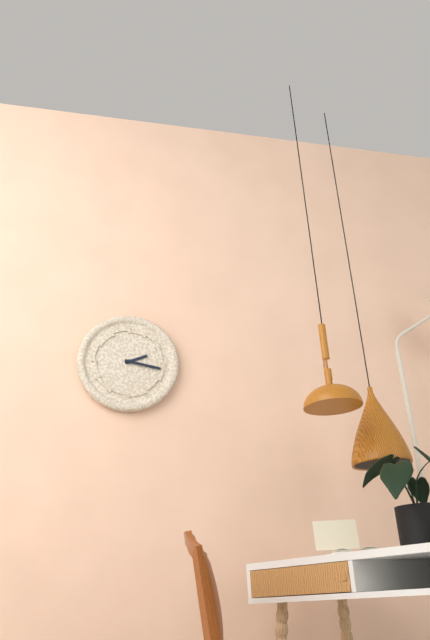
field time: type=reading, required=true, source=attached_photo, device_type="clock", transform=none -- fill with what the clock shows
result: 2:17
